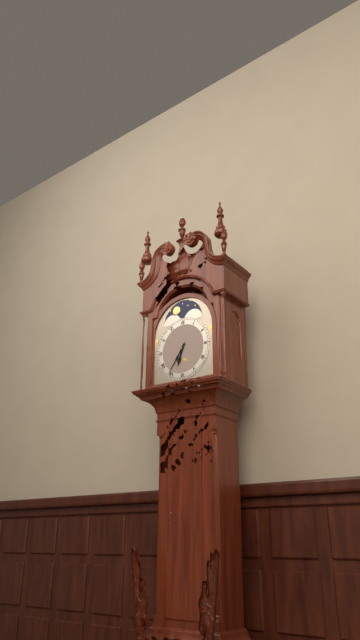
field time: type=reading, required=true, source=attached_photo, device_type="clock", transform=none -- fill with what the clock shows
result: 6:36
